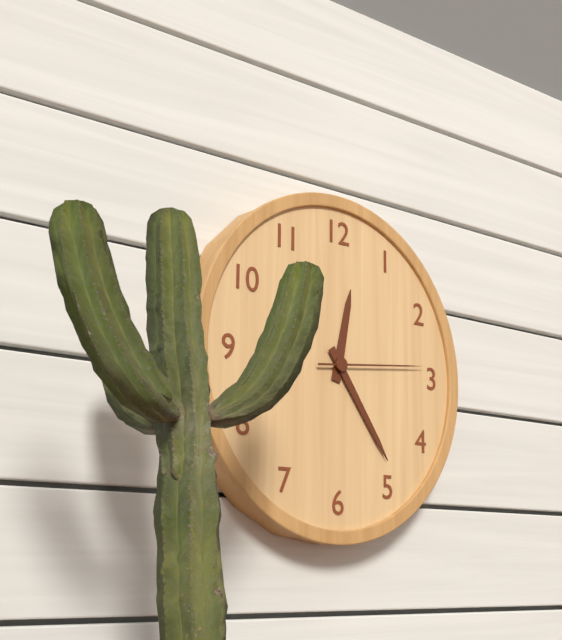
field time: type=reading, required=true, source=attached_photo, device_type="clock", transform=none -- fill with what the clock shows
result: 12:24:14
